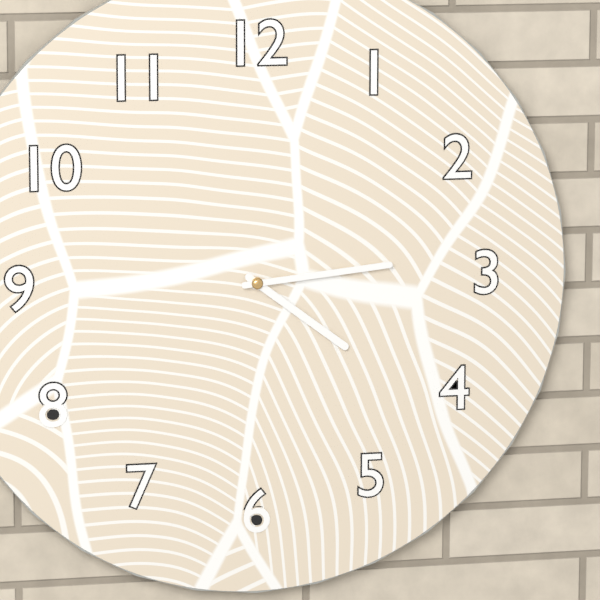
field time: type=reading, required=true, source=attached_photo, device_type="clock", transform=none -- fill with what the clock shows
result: 4:14
